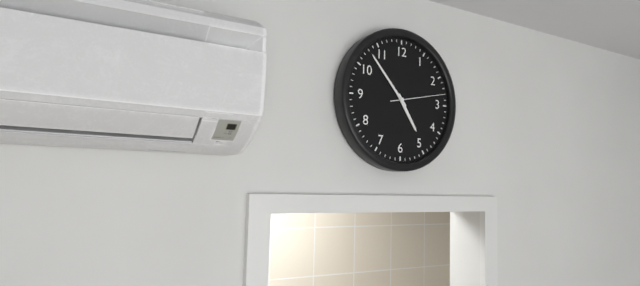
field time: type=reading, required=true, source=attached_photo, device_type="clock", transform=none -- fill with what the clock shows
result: 4:53:13
